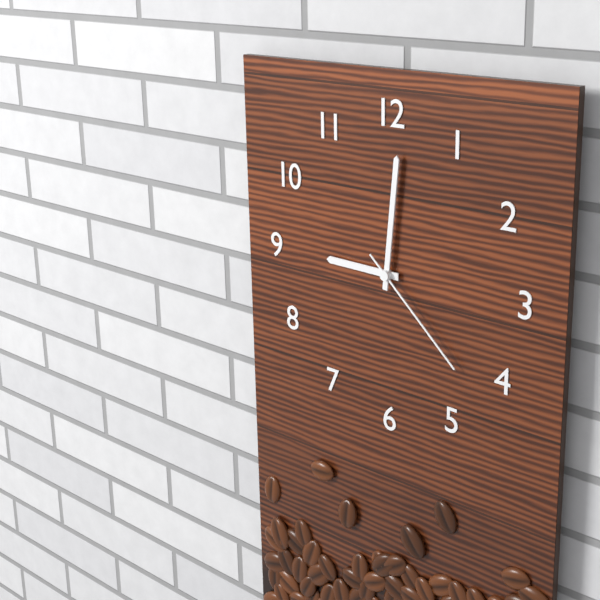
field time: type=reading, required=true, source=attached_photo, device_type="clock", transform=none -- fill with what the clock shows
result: 9:01:22
